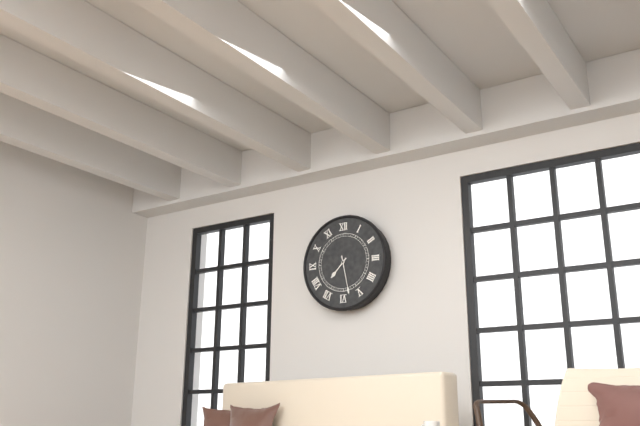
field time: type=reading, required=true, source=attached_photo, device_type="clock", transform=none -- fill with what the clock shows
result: 7:28
